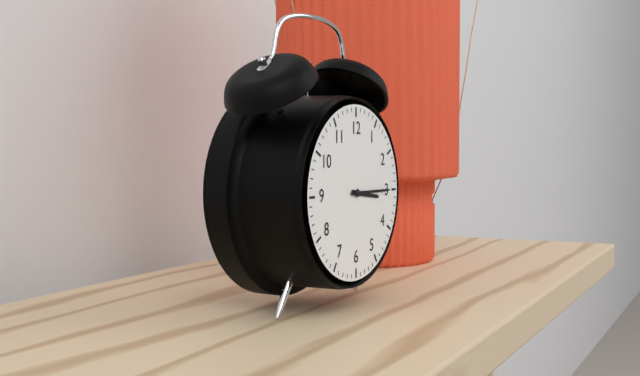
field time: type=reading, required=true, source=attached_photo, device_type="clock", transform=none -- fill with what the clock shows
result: 3:15
